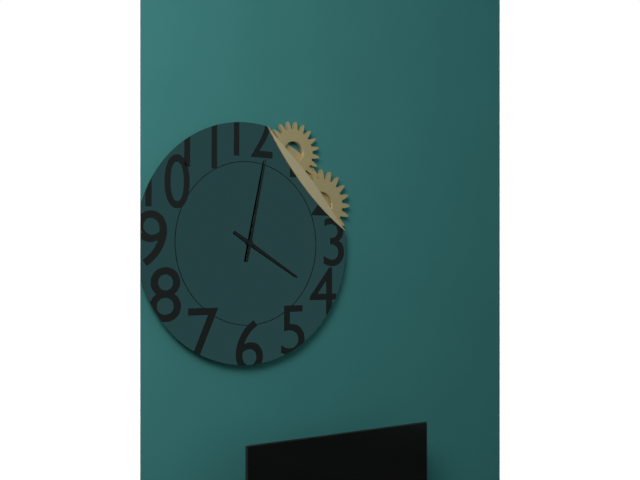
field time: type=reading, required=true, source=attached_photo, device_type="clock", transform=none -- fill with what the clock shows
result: 4:02
